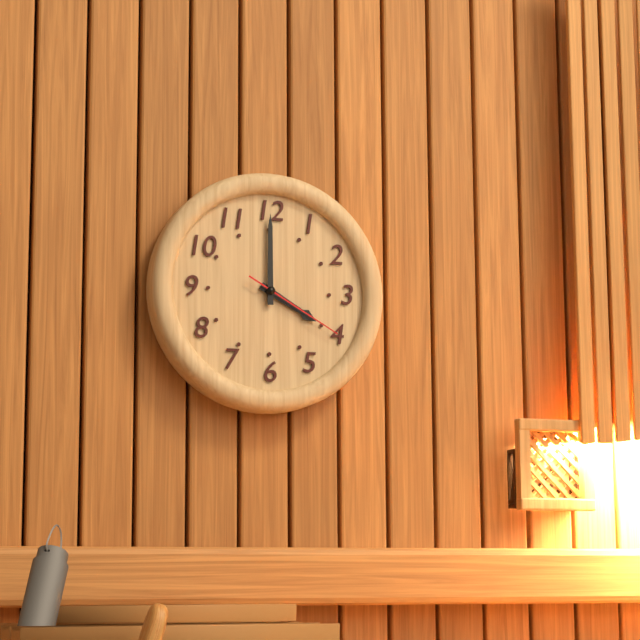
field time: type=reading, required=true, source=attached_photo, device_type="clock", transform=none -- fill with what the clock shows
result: 4:00:20
